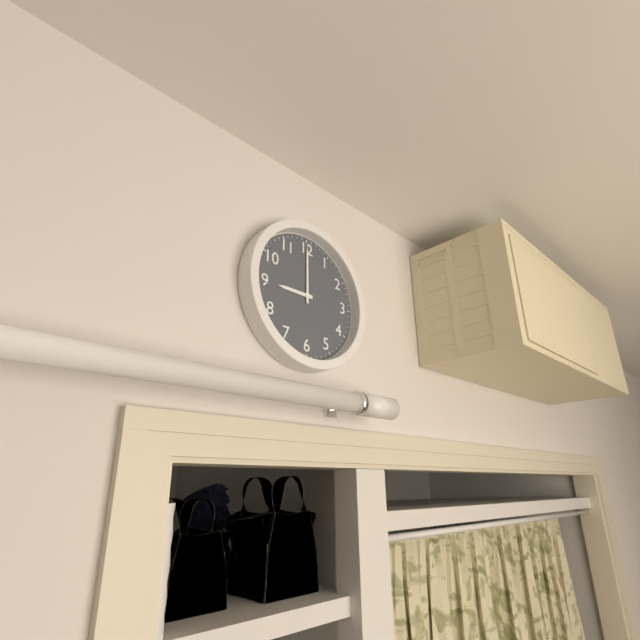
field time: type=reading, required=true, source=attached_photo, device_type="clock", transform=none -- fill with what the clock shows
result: 9:00
